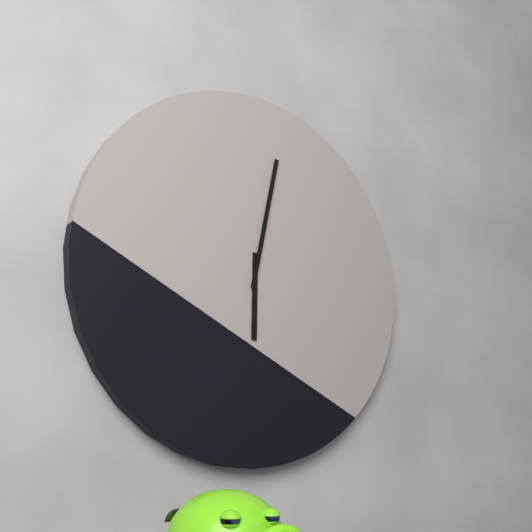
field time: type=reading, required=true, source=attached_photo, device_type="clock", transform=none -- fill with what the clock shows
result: 6:02
